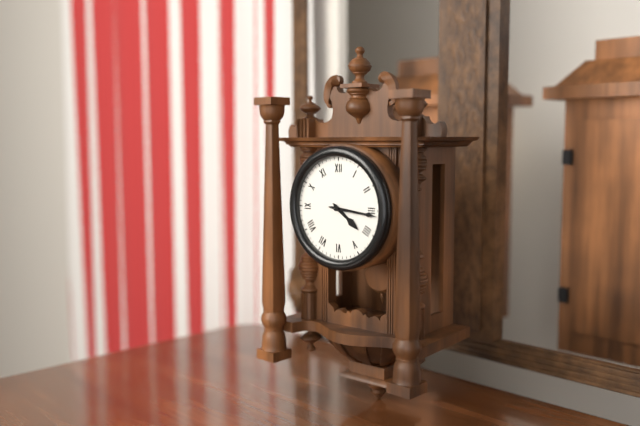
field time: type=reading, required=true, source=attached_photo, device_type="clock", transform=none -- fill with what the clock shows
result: 4:16
